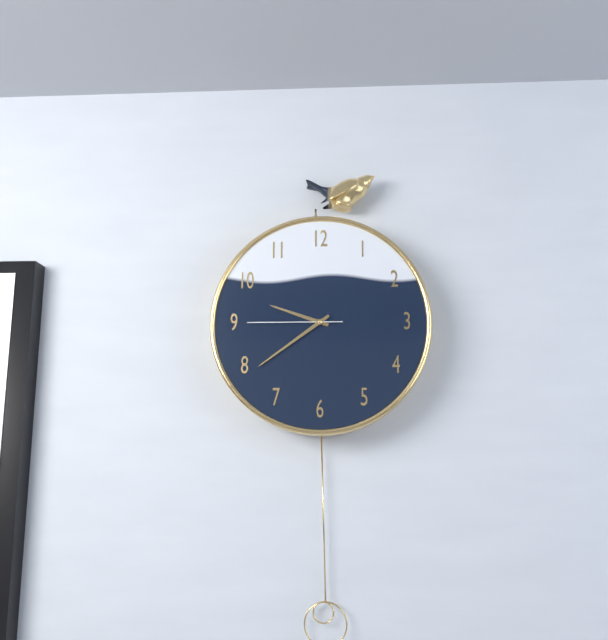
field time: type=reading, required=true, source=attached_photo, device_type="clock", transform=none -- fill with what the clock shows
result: 9:39:45
